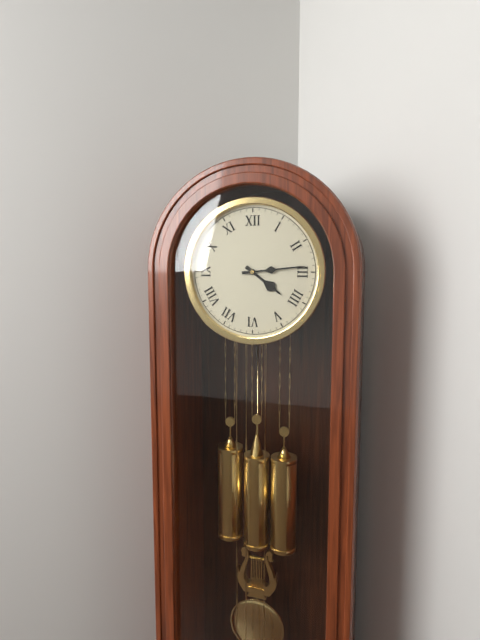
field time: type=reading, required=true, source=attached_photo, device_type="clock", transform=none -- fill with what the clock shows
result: 4:14
